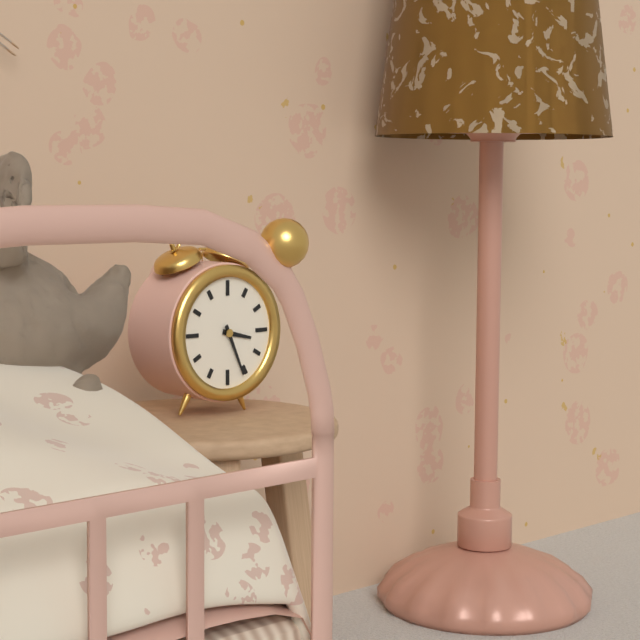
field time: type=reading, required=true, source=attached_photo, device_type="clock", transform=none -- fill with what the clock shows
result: 3:26
